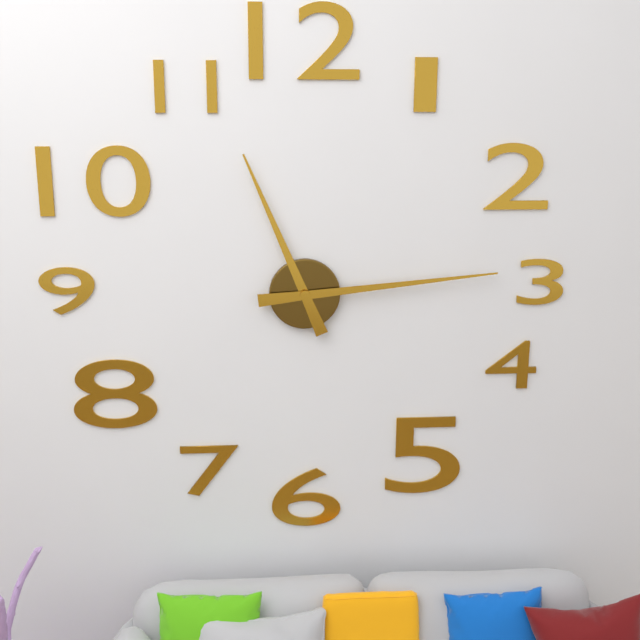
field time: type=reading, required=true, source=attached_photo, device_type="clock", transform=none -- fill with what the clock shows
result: 11:14
